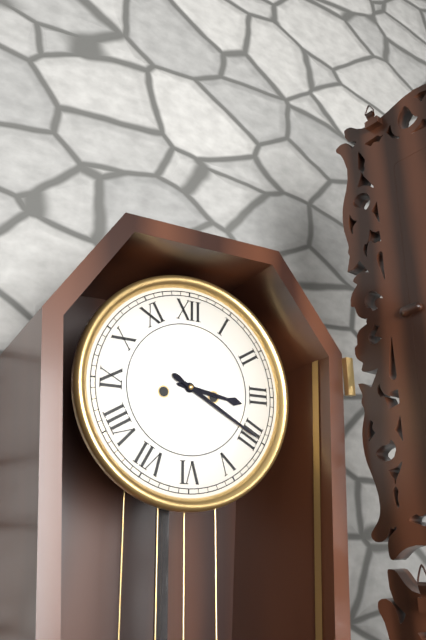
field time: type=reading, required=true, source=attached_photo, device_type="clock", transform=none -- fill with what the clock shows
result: 3:20
